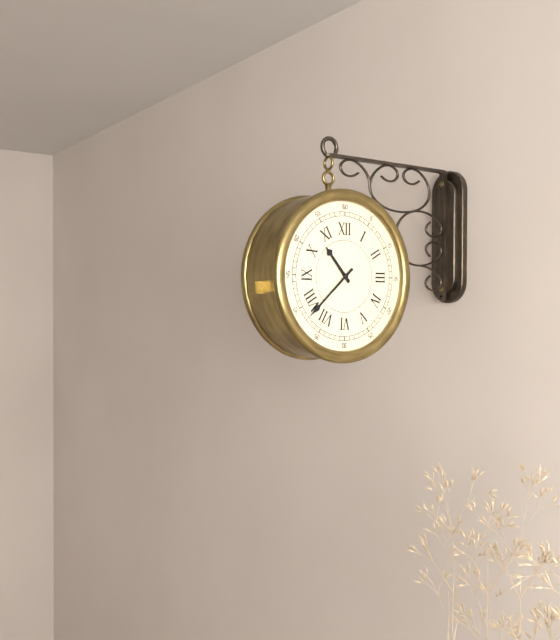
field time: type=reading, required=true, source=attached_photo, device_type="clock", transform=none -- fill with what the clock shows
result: 10:38
